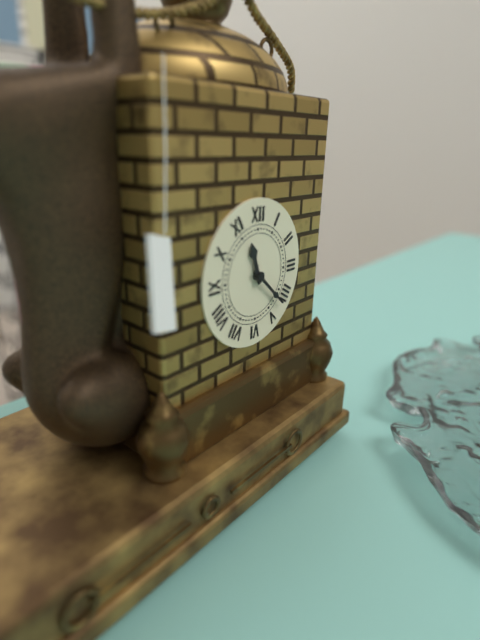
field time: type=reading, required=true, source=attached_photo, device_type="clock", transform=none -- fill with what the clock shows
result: 11:22
